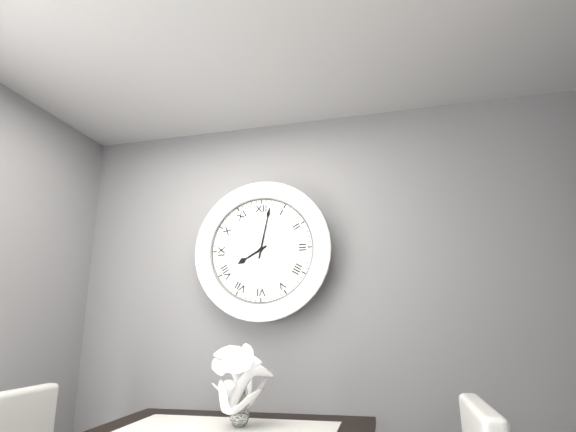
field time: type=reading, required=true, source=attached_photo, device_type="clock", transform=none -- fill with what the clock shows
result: 8:02
